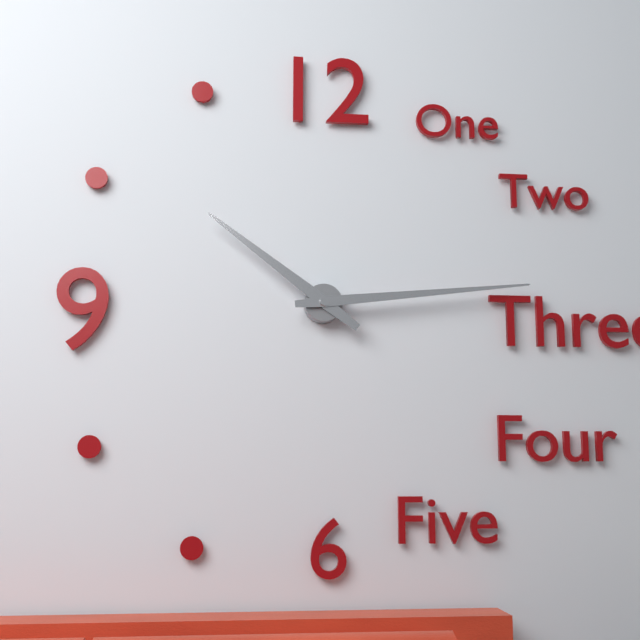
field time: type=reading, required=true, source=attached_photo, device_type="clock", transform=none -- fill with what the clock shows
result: 10:14
